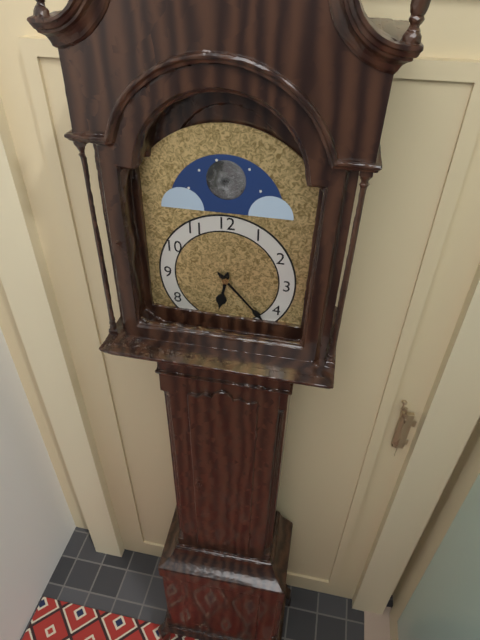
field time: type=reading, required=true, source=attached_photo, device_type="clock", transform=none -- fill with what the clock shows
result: 6:23
